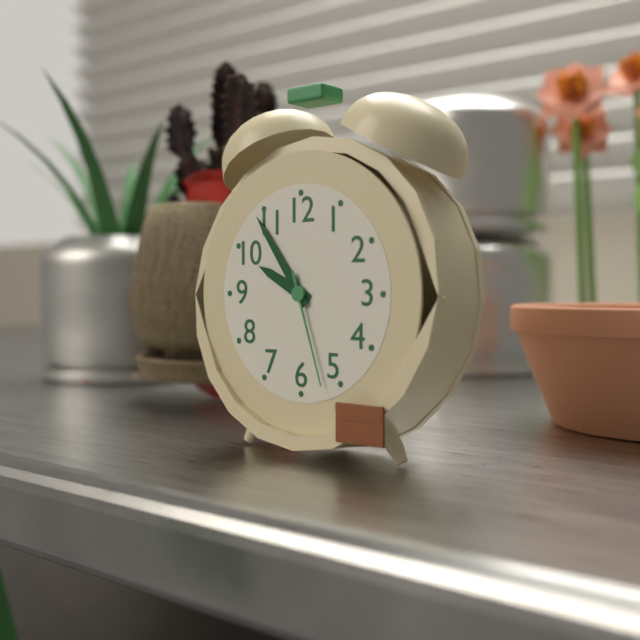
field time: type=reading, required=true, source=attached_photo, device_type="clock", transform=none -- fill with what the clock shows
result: 9:54:27
